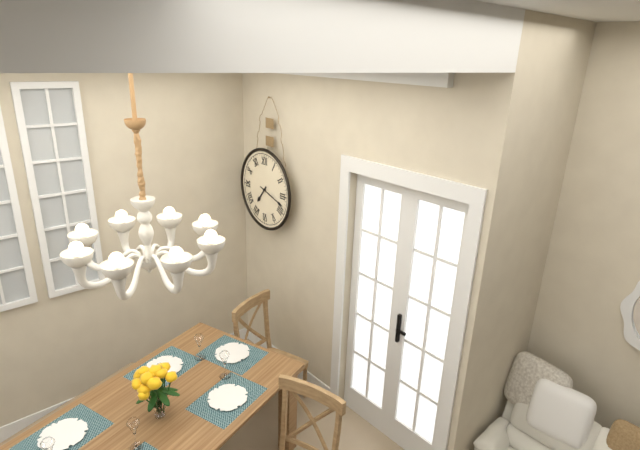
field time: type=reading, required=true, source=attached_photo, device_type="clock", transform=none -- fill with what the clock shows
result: 7:18
